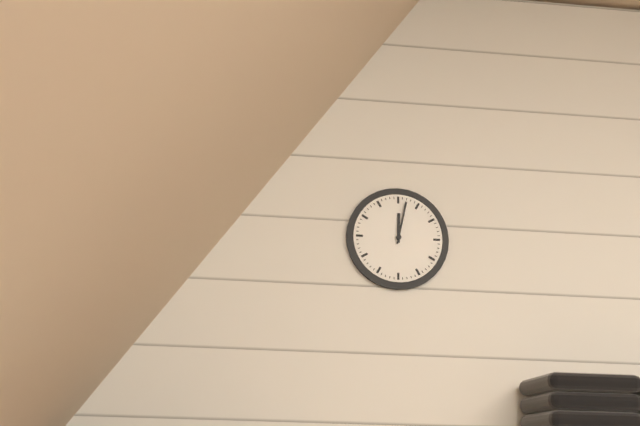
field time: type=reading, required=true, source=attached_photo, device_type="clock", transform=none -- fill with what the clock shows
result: 12:02
